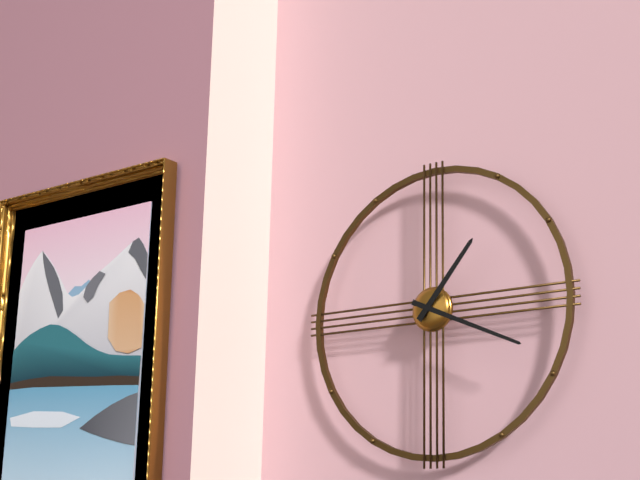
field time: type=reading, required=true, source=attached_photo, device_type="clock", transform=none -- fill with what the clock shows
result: 1:19
